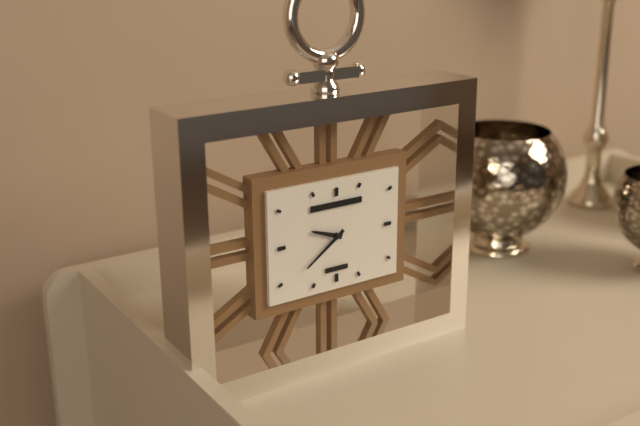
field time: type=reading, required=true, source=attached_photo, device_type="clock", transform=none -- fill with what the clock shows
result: 9:39
